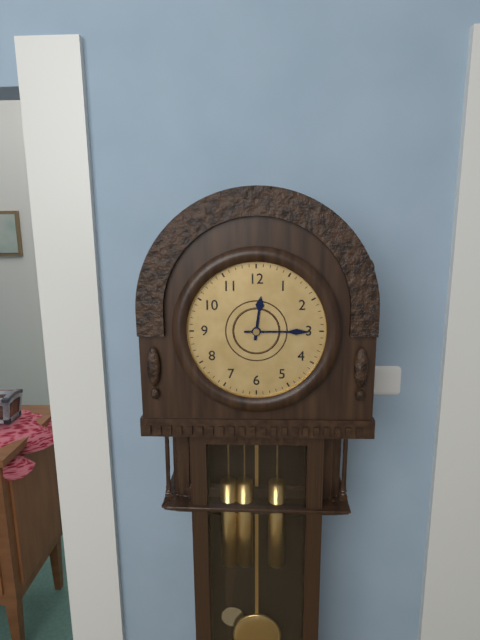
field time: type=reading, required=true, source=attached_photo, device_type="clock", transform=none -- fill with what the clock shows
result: 12:15
